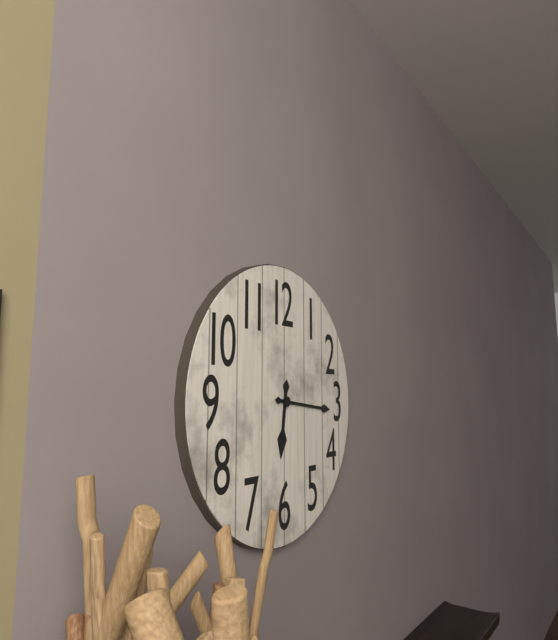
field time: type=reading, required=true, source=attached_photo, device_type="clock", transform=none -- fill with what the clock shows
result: 6:16
